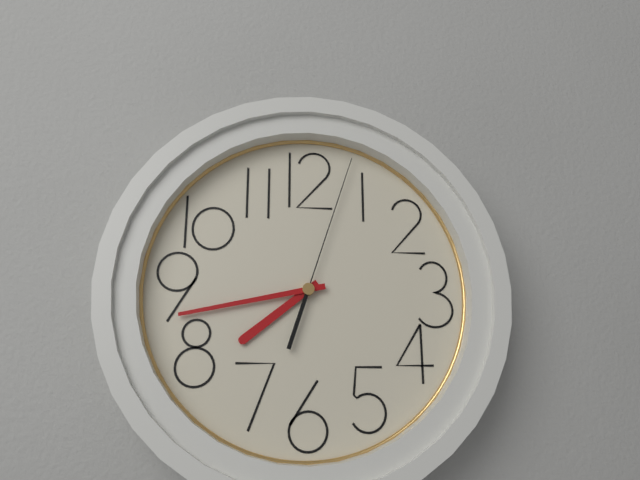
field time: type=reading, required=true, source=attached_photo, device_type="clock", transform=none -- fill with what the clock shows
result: 7:43:03
